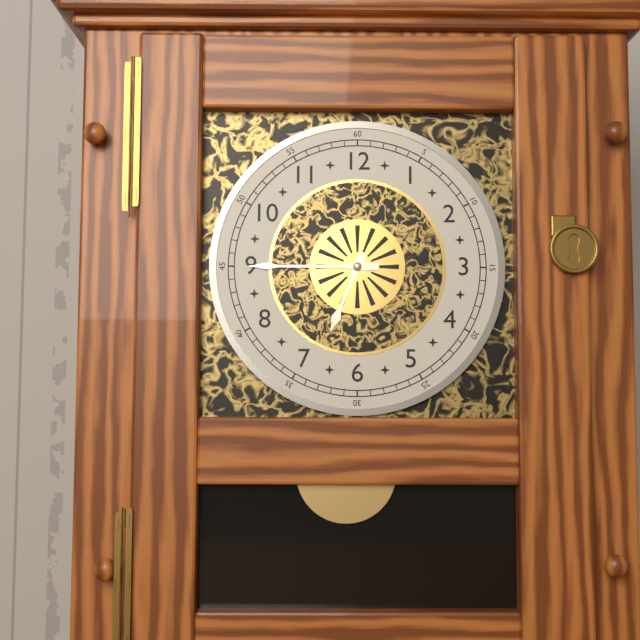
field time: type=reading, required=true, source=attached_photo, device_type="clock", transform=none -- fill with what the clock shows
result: 6:45
